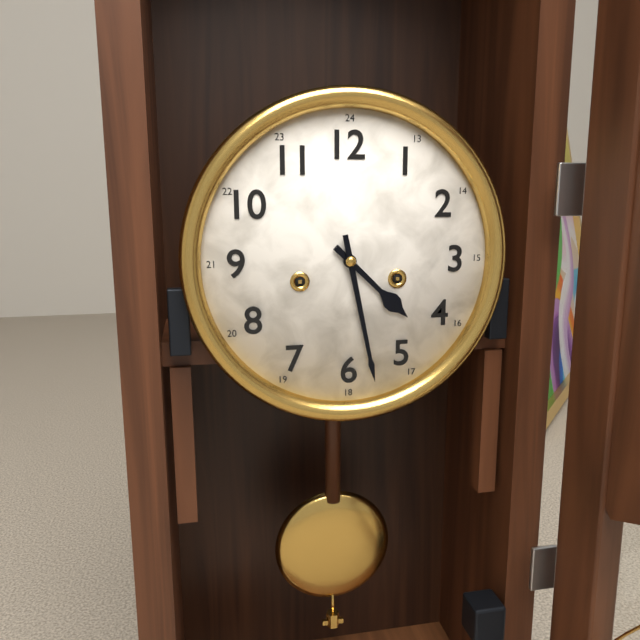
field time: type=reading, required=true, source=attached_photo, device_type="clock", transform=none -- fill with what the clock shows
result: 4:28
